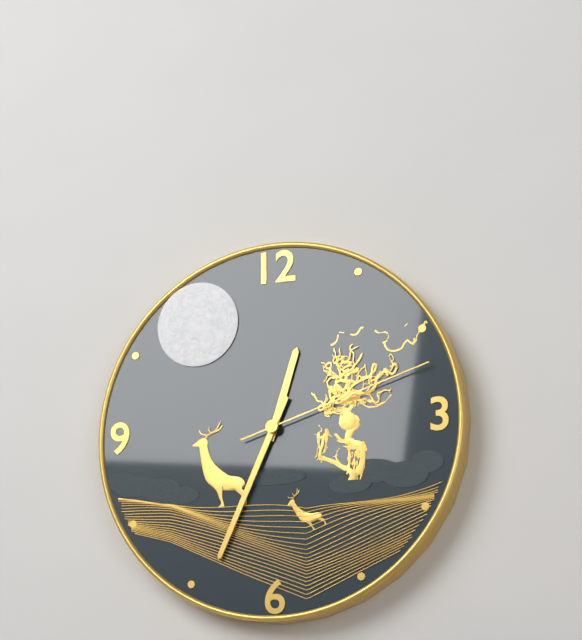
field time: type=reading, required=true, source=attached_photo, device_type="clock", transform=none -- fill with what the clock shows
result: 12:34:12
